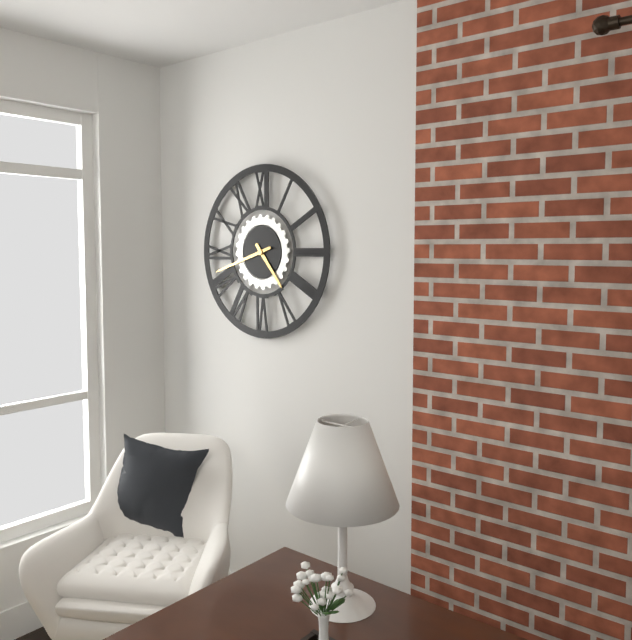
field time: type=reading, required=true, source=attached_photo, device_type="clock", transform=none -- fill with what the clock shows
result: 4:42
